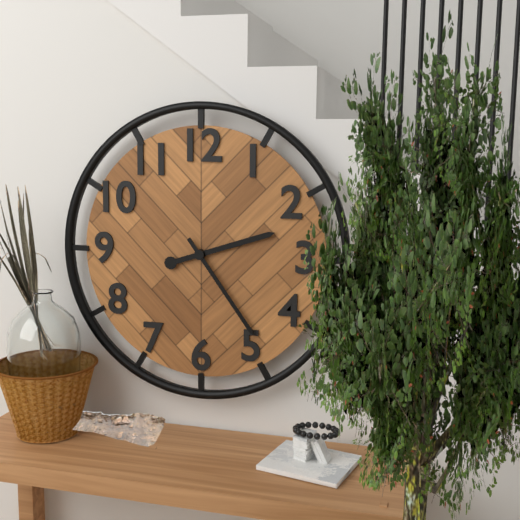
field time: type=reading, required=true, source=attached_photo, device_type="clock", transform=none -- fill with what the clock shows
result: 2:24
